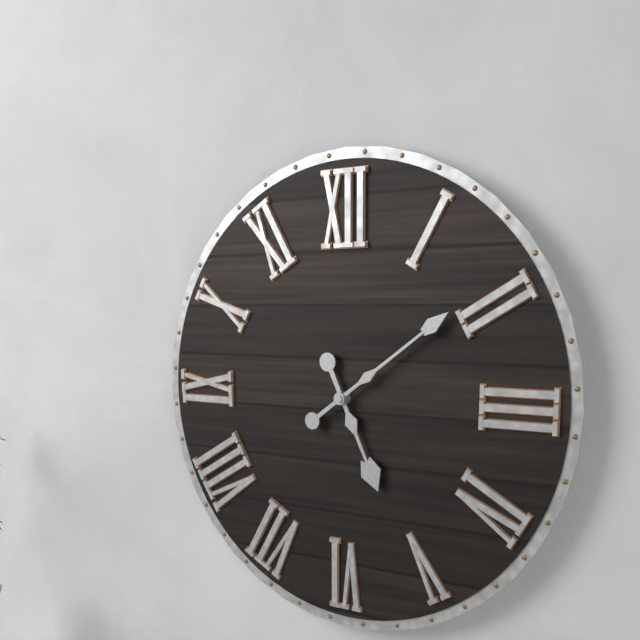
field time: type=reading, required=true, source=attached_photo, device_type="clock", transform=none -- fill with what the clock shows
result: 5:09
